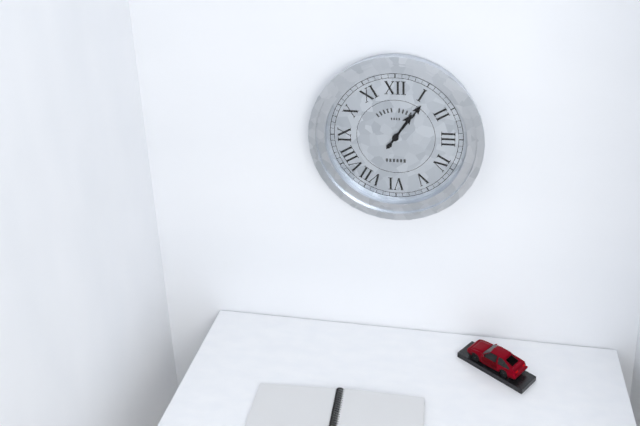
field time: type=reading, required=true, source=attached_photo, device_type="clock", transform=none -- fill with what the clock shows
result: 1:06
